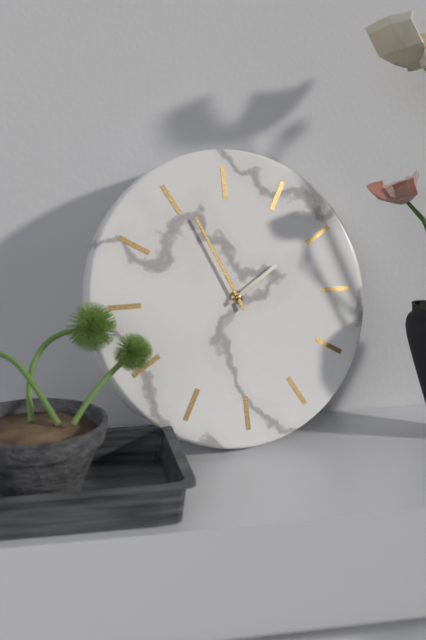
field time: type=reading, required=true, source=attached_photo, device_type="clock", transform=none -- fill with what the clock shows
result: 1:56
